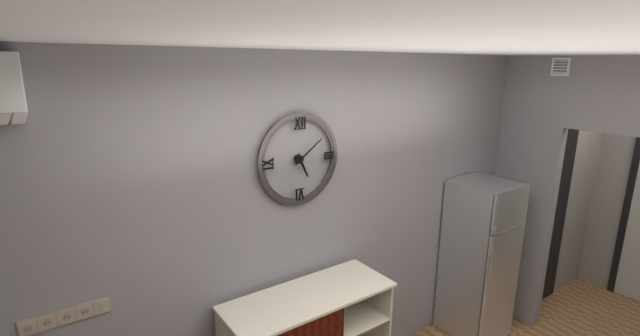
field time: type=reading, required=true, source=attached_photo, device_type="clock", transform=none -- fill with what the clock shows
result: 5:09
